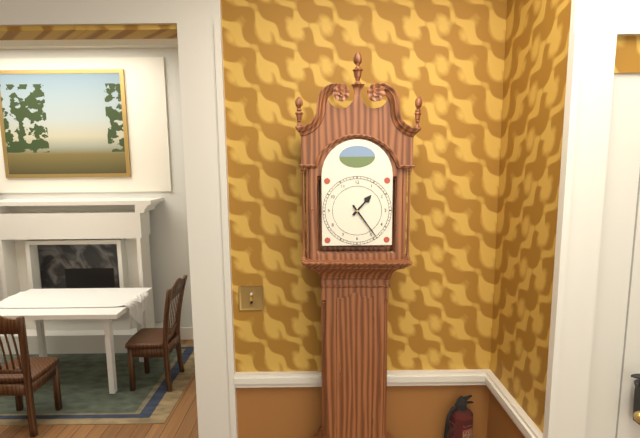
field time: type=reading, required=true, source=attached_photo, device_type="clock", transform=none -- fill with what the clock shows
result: 1:24
